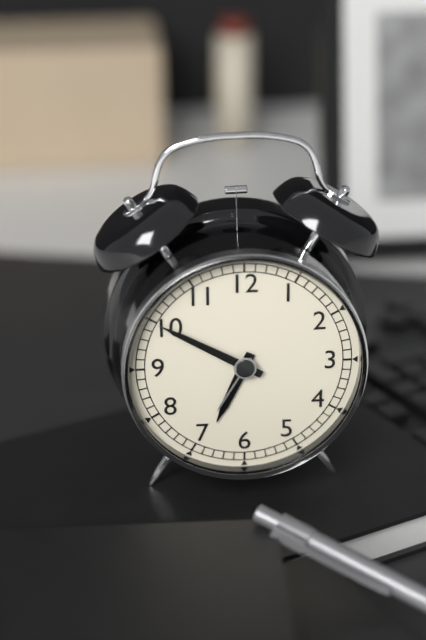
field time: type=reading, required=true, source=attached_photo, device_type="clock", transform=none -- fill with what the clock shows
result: 6:50
